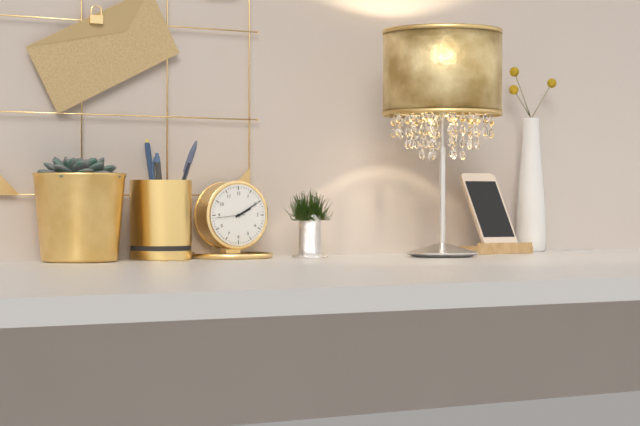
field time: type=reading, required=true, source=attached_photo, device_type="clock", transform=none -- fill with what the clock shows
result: 2:10
